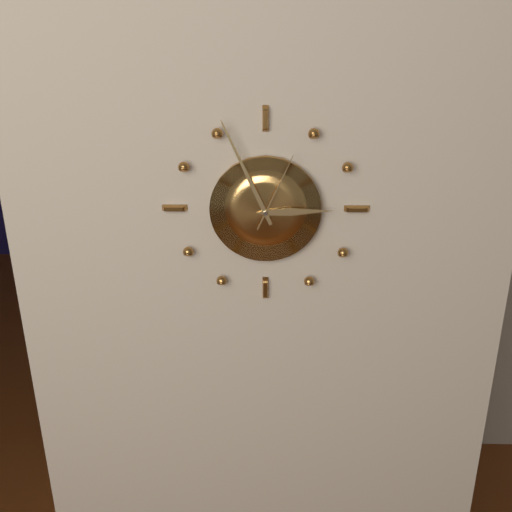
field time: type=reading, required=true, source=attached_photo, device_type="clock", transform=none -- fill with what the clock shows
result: 2:56:04
